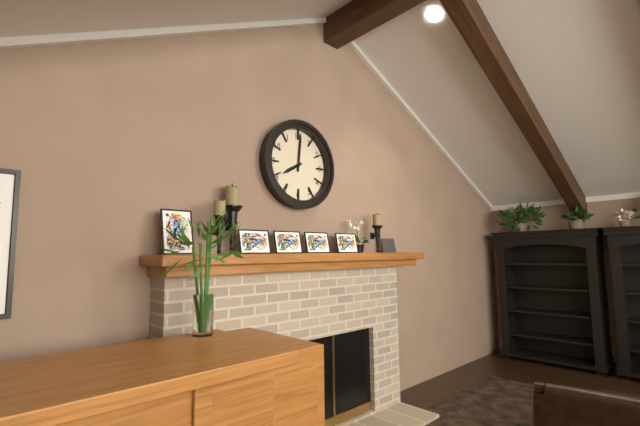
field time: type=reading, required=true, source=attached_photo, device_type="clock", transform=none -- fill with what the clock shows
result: 8:01
